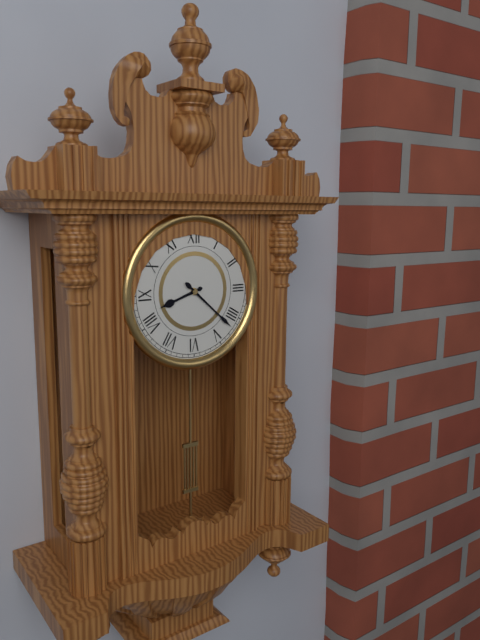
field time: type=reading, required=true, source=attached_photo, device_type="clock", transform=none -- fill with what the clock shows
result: 8:22
